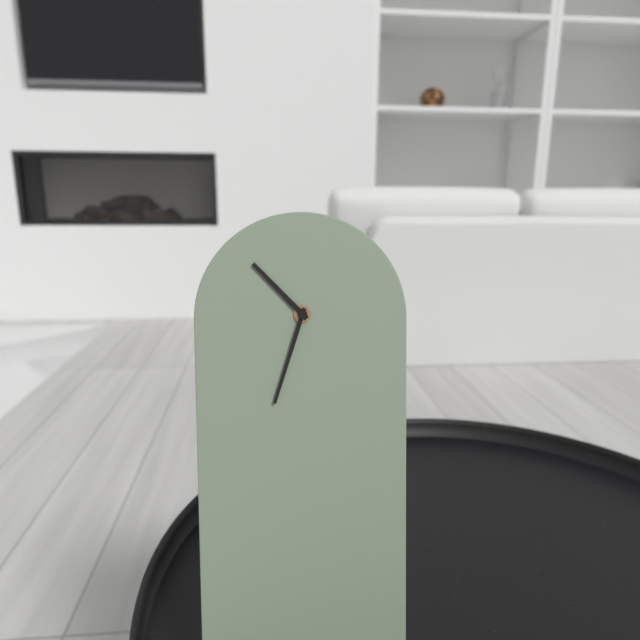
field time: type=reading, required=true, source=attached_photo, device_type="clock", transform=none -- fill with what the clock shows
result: 10:33
